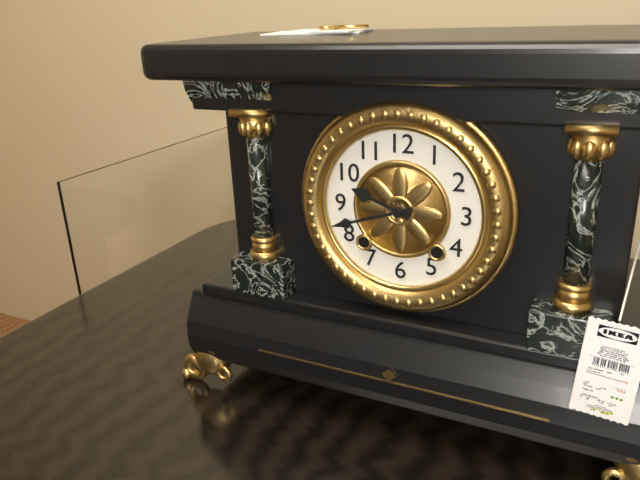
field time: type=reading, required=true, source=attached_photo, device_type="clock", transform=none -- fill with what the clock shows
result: 9:42
